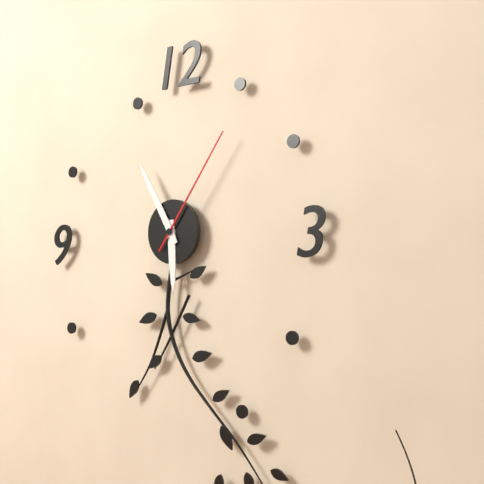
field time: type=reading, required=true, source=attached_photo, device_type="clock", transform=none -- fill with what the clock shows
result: 5:55:06
